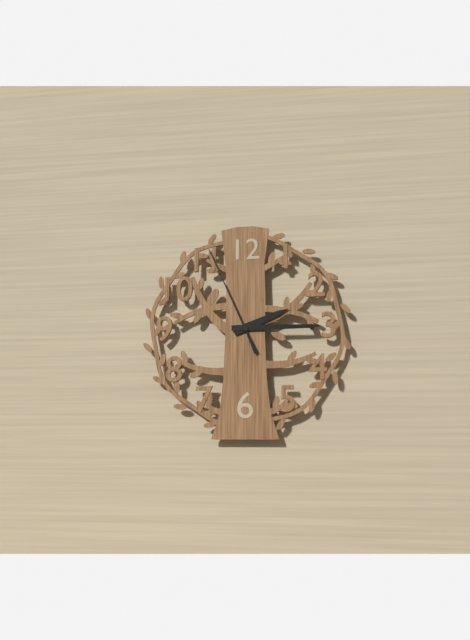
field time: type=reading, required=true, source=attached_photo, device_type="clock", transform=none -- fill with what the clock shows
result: 2:15:56
